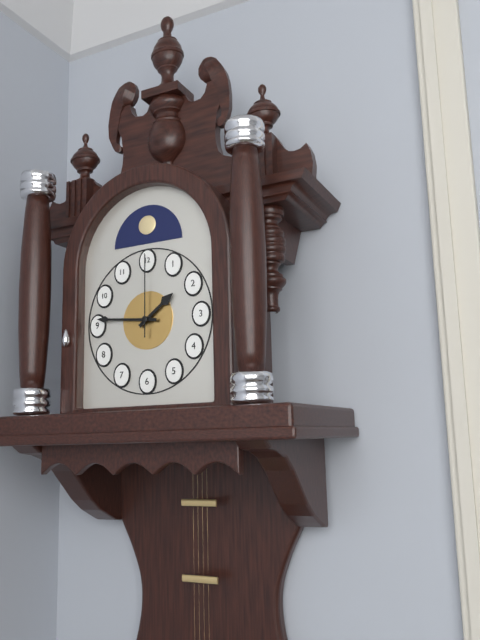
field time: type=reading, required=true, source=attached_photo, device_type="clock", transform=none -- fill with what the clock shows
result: 1:46:00
